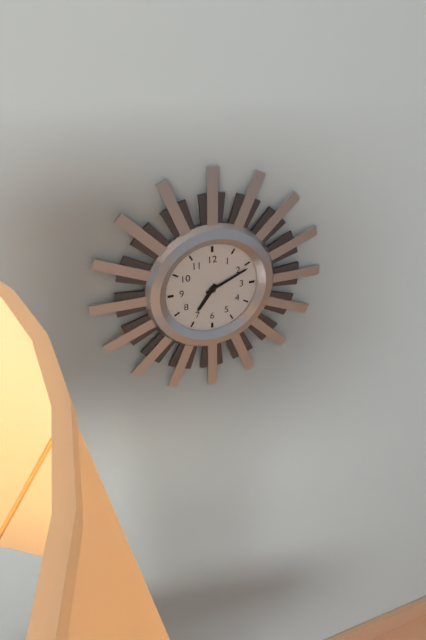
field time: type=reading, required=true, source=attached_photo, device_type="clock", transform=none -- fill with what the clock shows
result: 7:11
